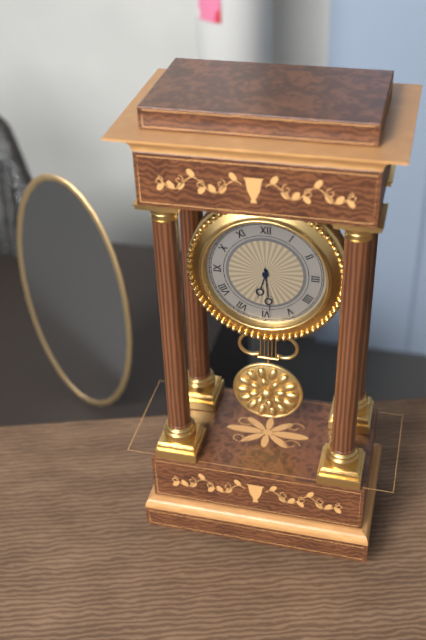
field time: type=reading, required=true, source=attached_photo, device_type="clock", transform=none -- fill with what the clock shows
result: 6:29
